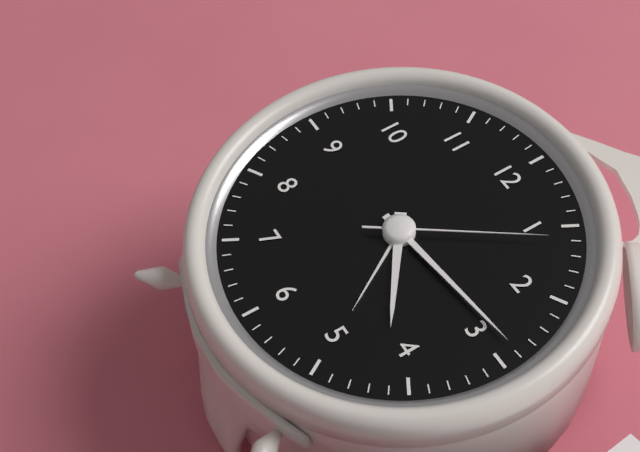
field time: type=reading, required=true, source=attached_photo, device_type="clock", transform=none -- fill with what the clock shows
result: 4:14:06
